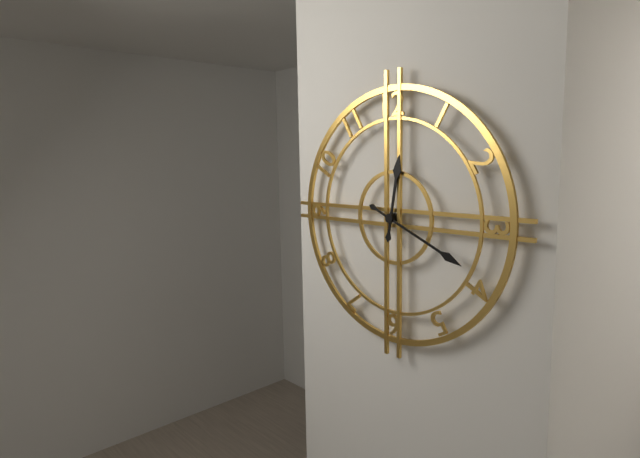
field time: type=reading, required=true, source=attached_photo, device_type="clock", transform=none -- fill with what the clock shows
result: 12:19
